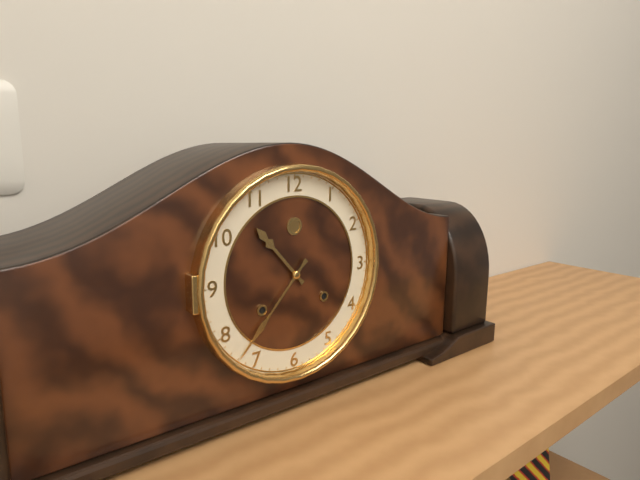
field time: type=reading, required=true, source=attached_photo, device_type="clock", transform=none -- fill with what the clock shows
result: 10:37
